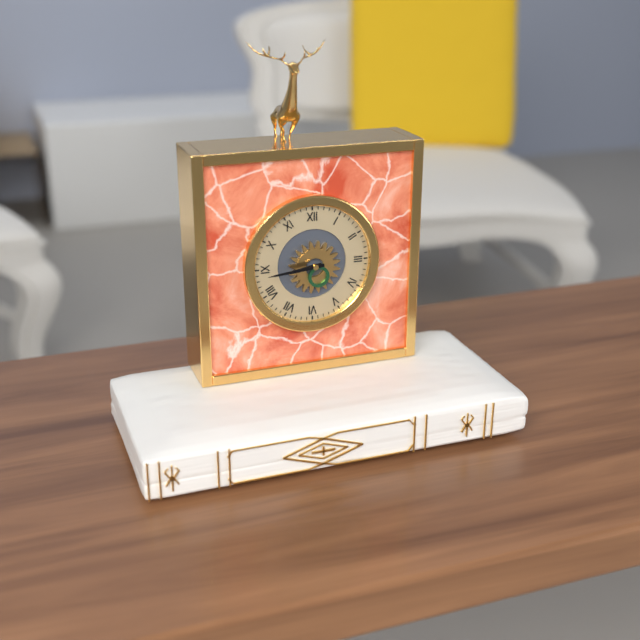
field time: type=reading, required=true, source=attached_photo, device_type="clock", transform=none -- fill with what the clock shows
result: 8:44
